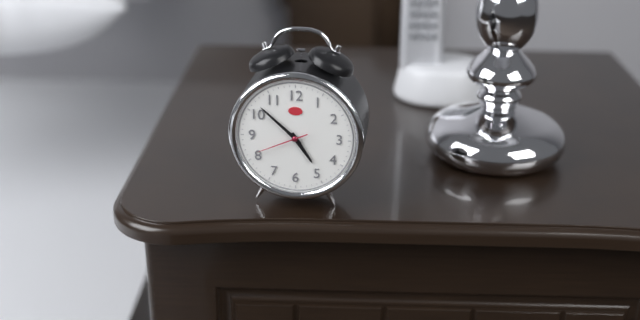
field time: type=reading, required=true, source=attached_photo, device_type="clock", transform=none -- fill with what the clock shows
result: 4:52
